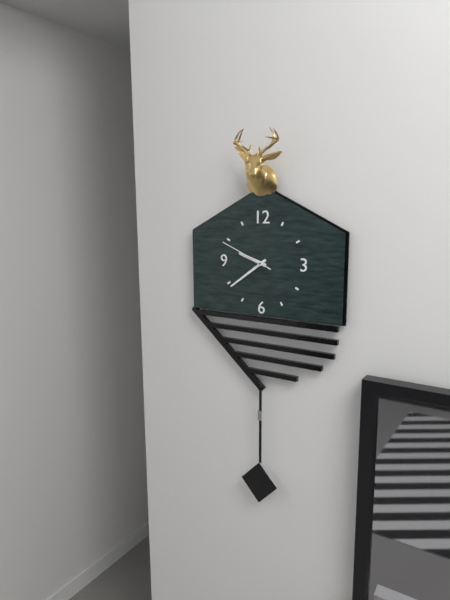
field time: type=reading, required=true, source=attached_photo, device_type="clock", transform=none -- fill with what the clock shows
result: 9:39:49
